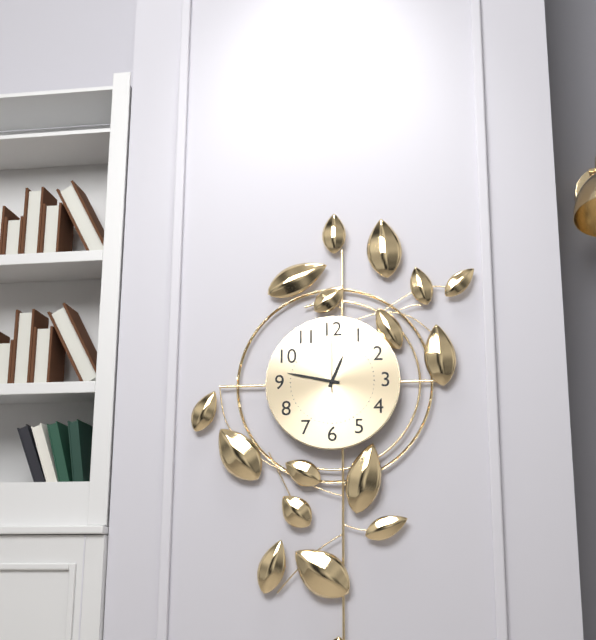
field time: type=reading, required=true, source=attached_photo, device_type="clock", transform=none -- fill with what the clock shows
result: 12:47:00
